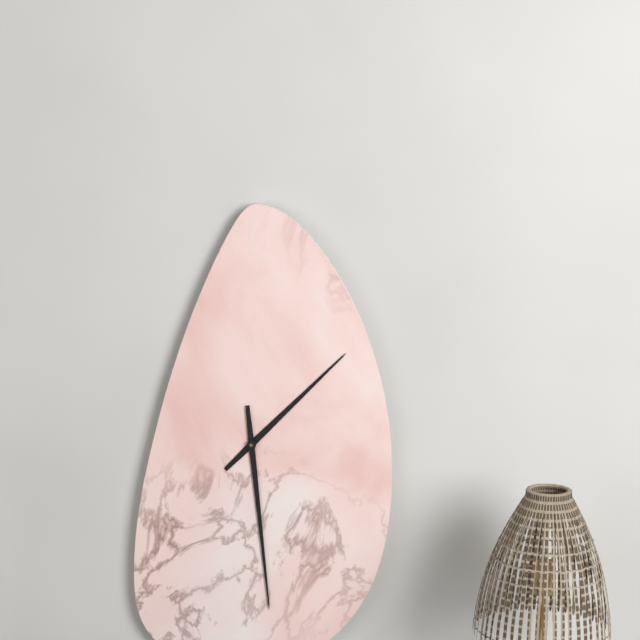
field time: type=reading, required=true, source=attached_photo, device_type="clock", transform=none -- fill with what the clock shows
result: 1:29
